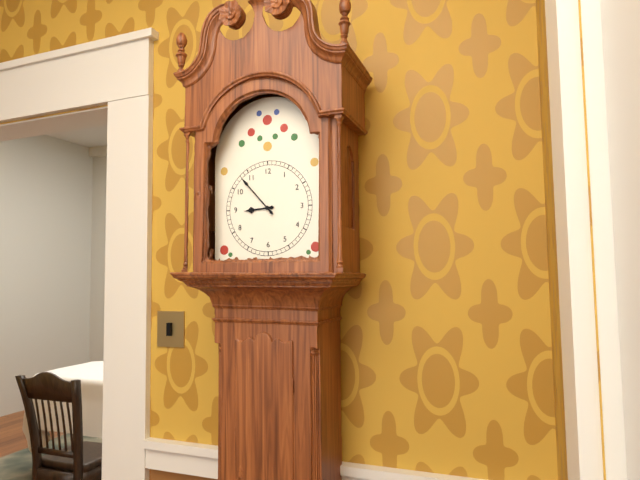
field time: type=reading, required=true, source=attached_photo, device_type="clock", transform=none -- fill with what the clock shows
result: 8:53
